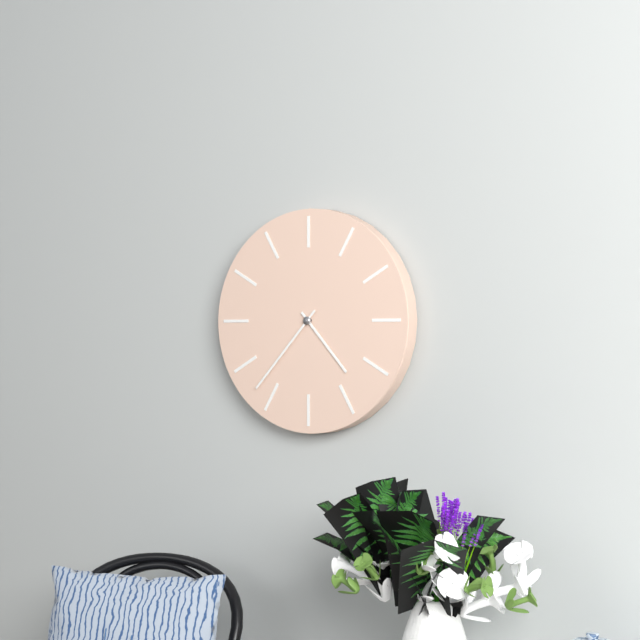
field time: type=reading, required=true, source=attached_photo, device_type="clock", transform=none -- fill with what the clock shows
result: 4:37
